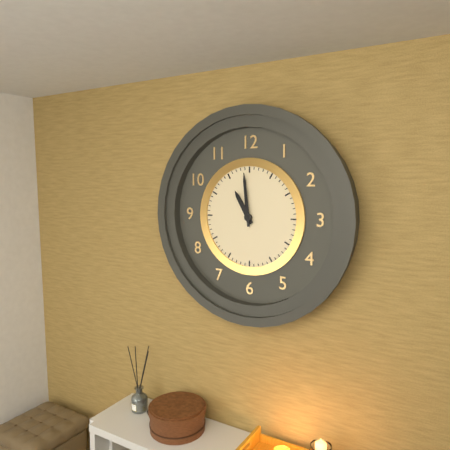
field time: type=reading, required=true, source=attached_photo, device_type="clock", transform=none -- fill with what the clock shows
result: 10:59
